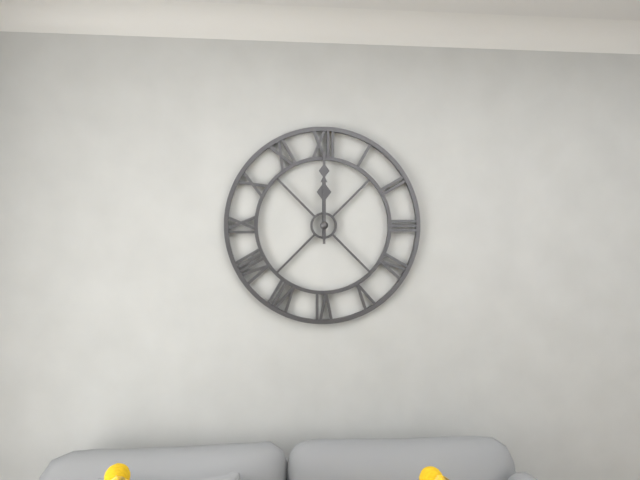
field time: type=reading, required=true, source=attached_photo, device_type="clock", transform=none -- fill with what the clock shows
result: 12:00
